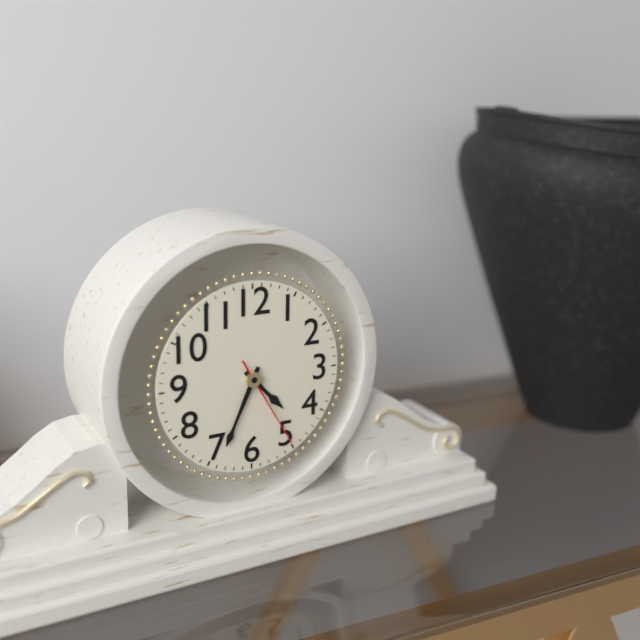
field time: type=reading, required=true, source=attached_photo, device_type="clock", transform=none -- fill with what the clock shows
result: 4:34:25
